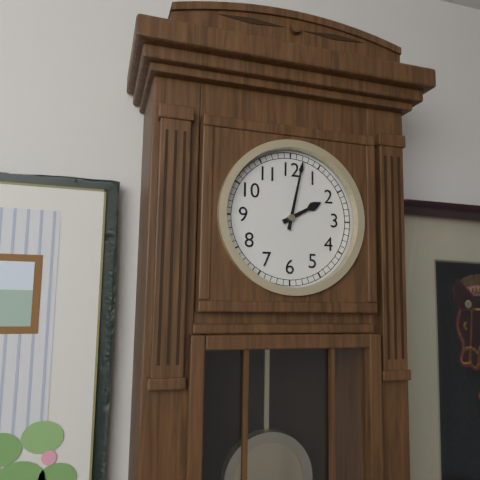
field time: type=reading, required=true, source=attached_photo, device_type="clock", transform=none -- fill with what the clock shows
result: 2:02
